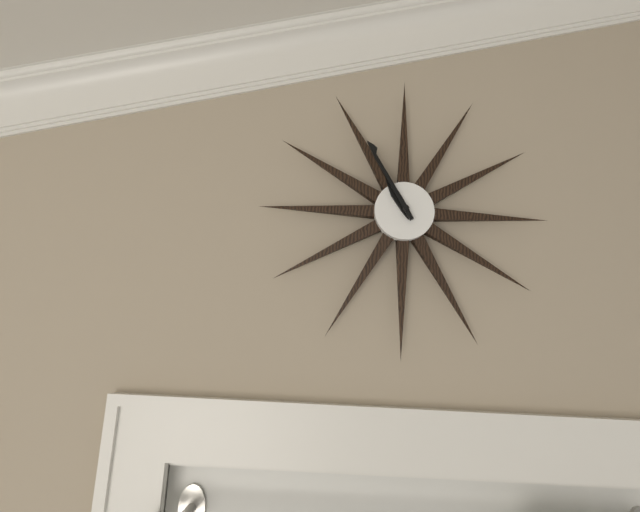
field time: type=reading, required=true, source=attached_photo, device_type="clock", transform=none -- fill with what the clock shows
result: 10:55
